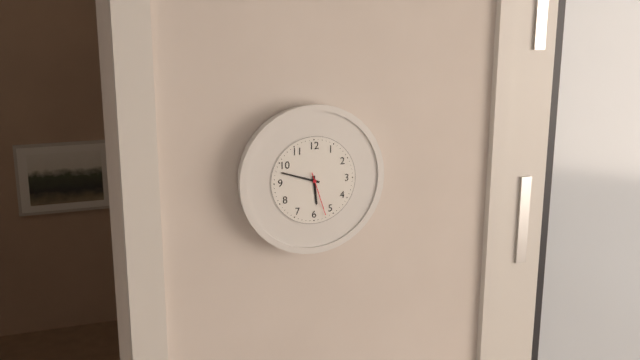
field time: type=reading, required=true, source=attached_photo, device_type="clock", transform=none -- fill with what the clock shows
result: 5:48
